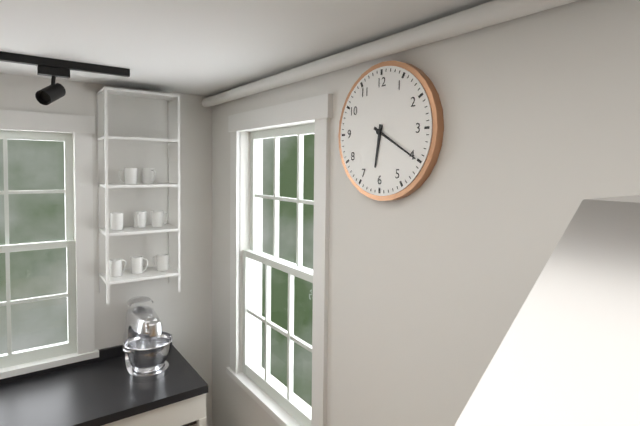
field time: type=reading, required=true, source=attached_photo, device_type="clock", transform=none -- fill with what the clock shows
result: 6:20
